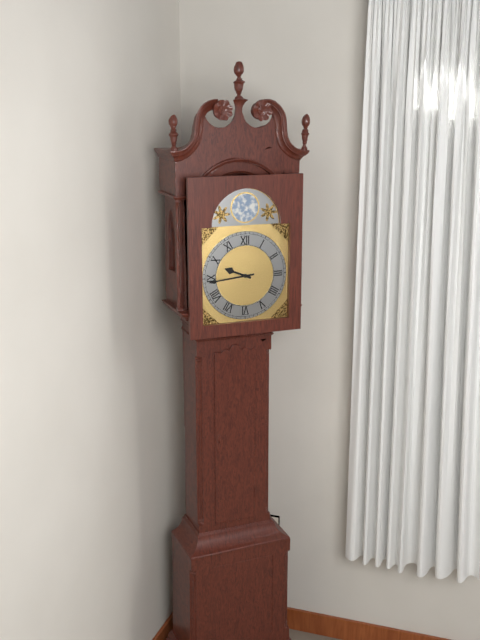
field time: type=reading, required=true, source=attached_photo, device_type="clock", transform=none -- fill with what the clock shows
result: 9:44
